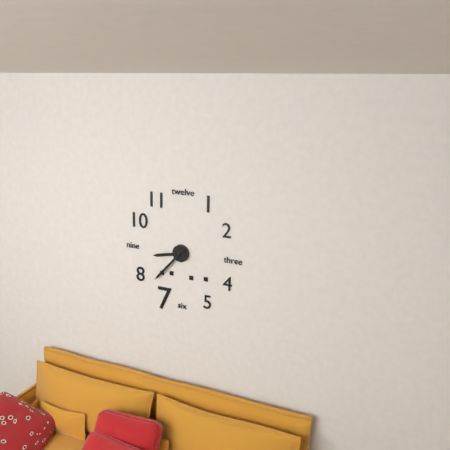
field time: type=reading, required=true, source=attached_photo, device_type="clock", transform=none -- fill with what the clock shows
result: 8:37
